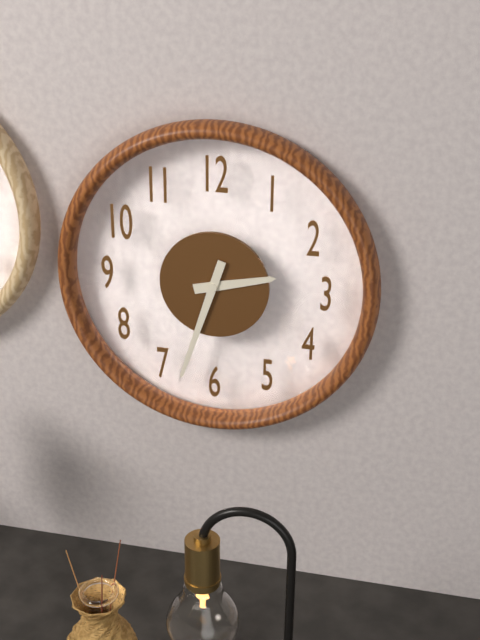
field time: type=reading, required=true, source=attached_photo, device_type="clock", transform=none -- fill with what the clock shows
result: 2:33
